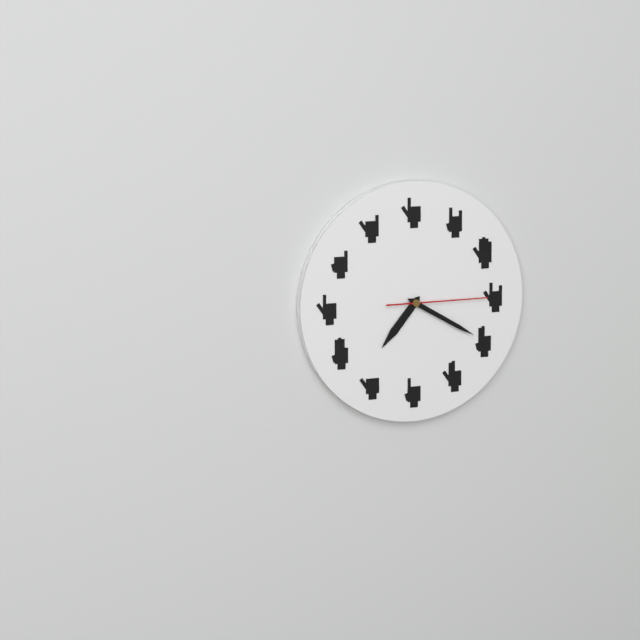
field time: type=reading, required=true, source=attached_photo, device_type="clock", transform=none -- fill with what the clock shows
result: 7:20:15
